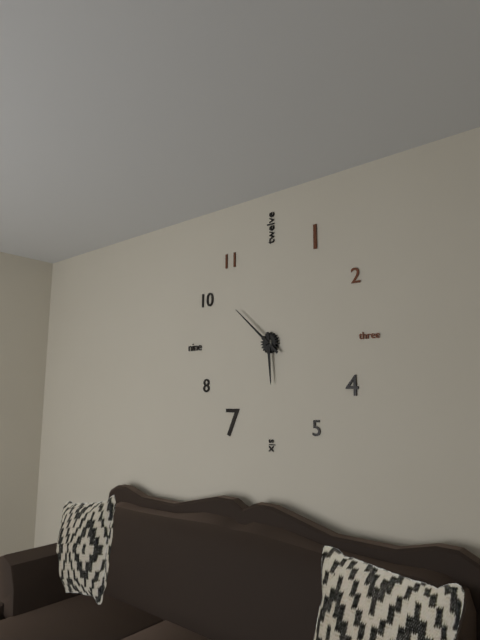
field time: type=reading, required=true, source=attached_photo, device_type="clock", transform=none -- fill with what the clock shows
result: 5:52
